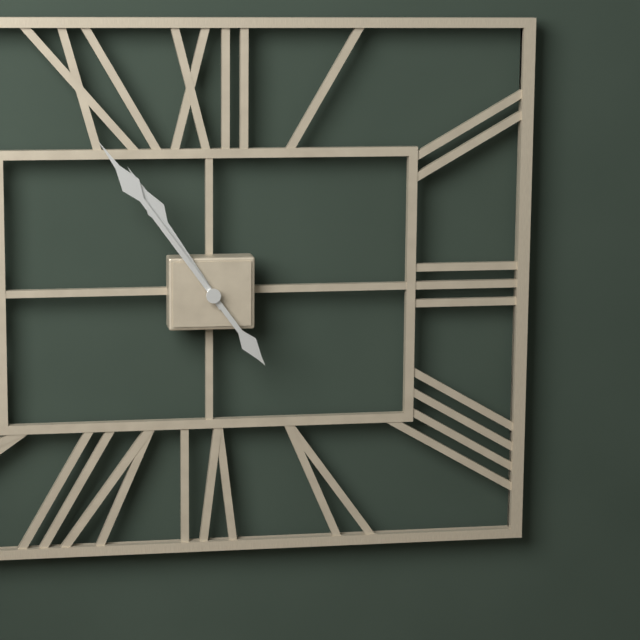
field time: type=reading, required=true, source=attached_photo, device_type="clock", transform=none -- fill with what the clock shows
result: 10:54
